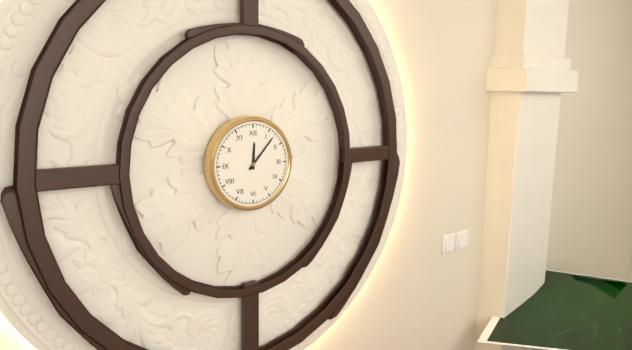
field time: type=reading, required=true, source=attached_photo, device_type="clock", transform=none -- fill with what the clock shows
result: 12:07
